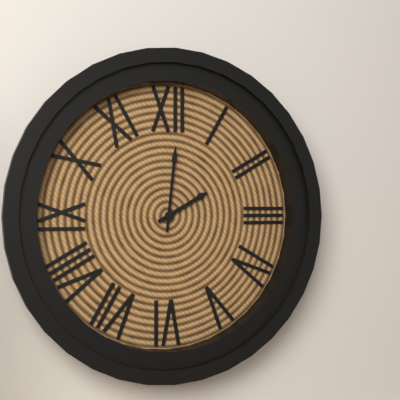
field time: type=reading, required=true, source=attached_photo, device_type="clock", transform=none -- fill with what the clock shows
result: 2:01
